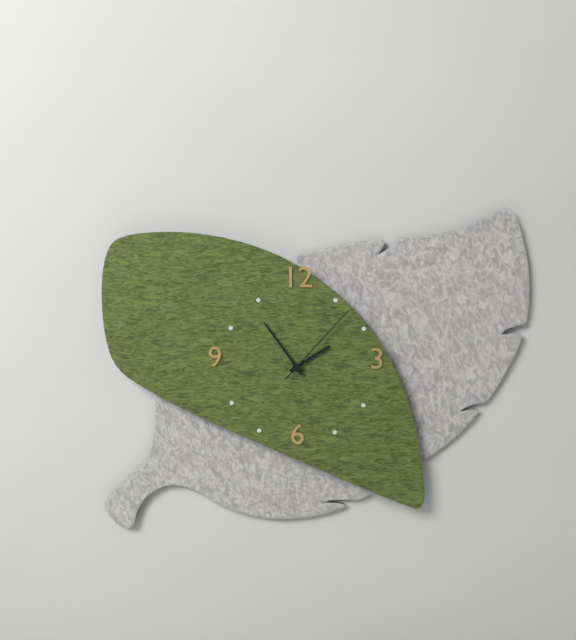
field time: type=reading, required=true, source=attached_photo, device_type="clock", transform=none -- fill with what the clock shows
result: 1:54:07
